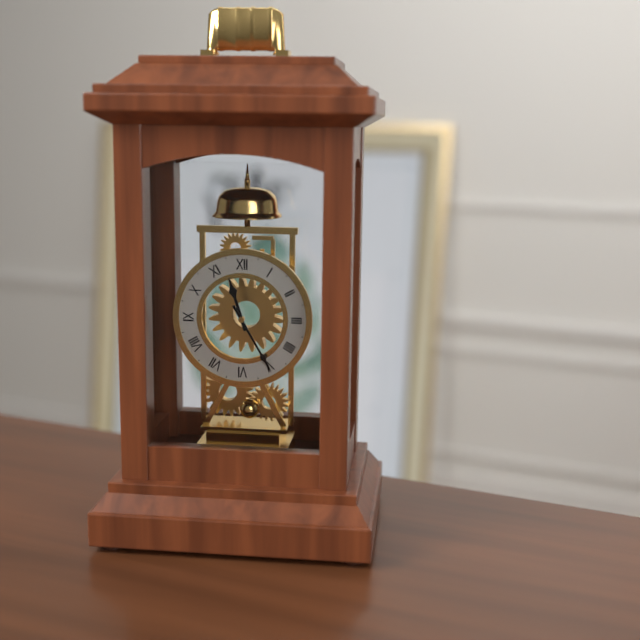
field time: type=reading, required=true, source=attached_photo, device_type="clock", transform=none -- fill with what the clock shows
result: 11:25
